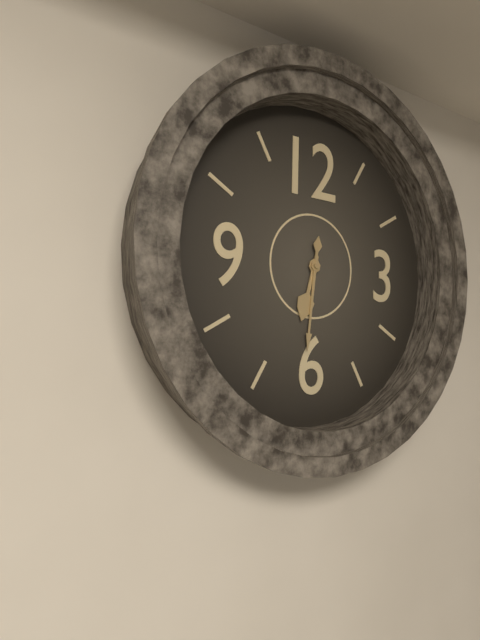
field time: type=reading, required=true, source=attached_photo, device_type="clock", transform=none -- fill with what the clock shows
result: 6:31
